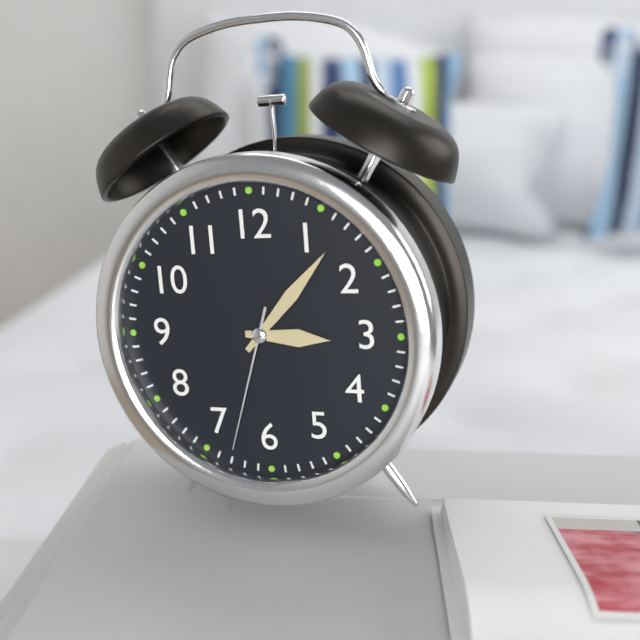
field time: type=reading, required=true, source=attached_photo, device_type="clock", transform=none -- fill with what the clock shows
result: 3:07:33
